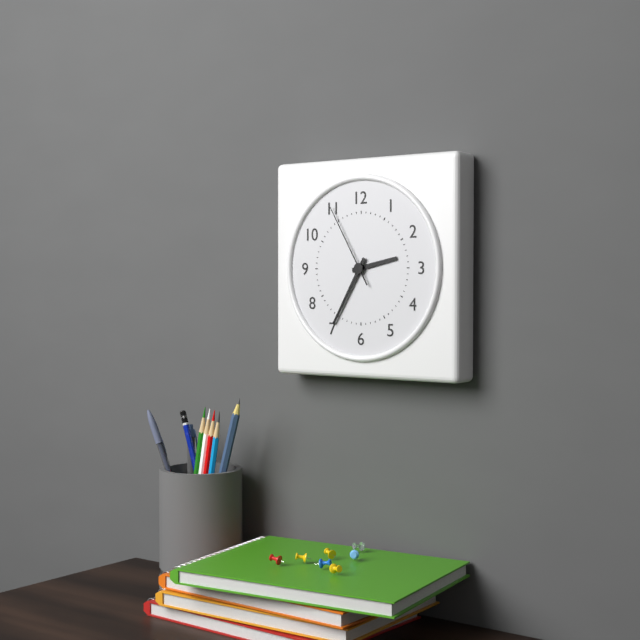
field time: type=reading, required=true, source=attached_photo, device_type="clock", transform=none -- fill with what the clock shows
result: 2:35:55
